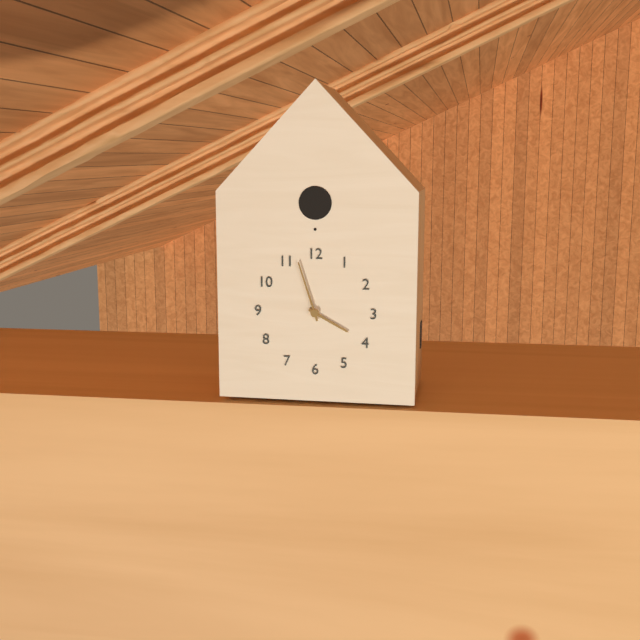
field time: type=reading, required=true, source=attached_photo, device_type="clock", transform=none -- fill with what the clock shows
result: 3:57
